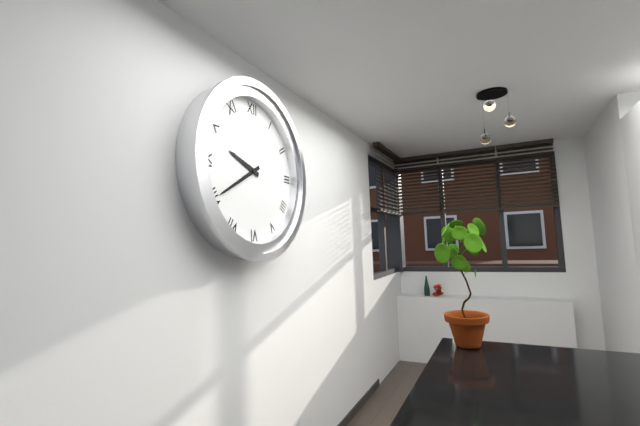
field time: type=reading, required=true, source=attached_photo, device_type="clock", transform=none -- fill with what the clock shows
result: 9:40
